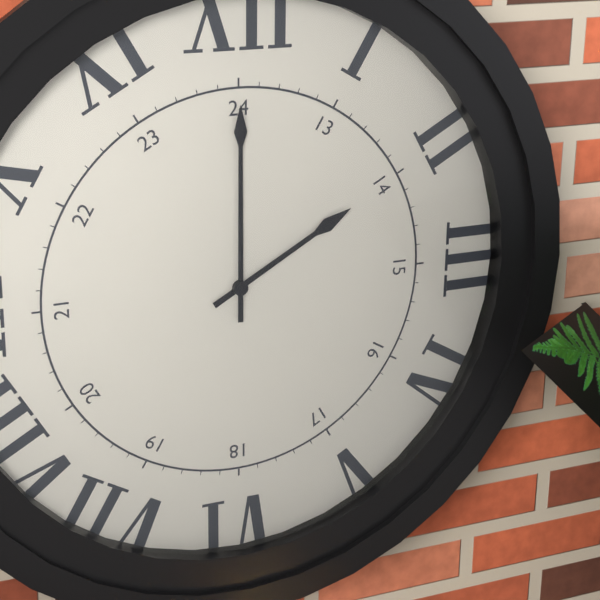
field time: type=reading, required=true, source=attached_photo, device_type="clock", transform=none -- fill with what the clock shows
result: 2:00
